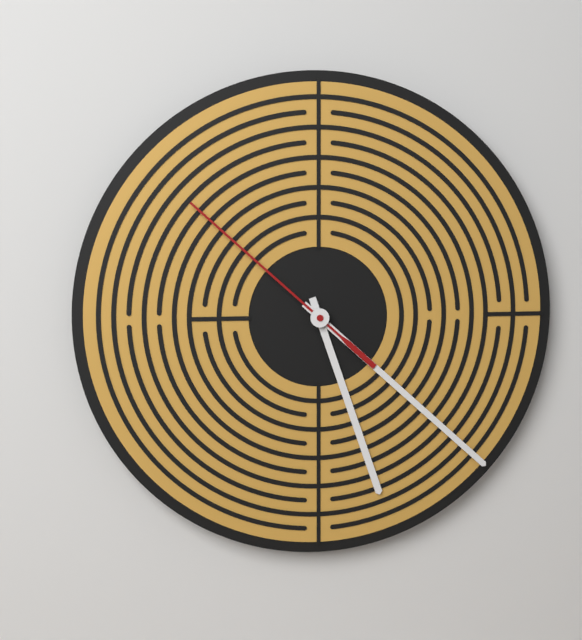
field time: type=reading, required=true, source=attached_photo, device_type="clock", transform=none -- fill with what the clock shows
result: 5:22:52
